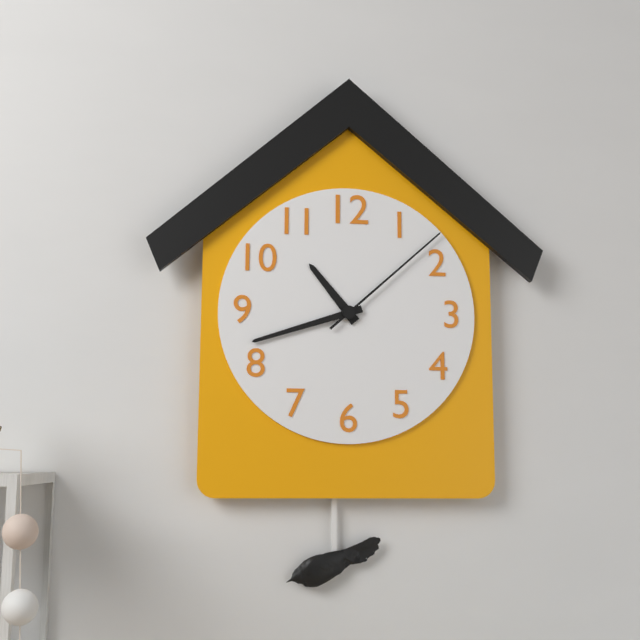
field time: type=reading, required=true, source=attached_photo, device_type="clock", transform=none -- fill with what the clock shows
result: 10:42:08
